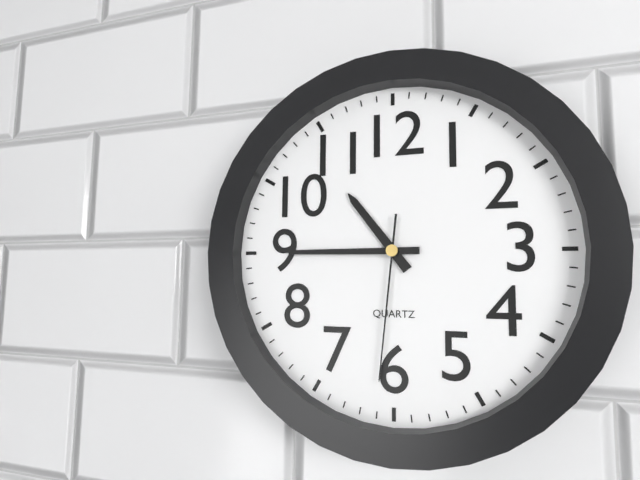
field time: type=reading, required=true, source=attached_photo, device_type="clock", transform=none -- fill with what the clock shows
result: 10:45:31
